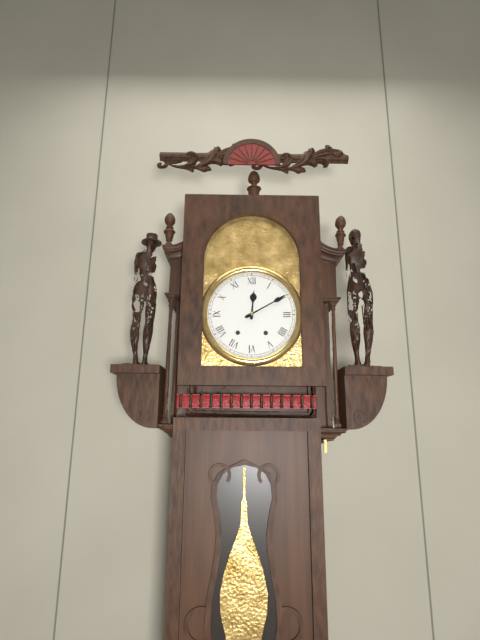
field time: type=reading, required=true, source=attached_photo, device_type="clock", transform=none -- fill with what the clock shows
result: 12:10
